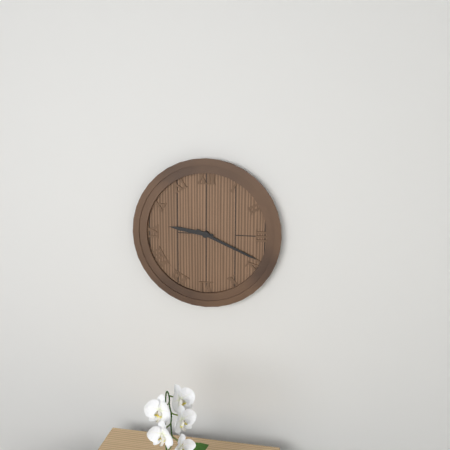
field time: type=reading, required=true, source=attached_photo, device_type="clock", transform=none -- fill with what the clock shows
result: 9:19
